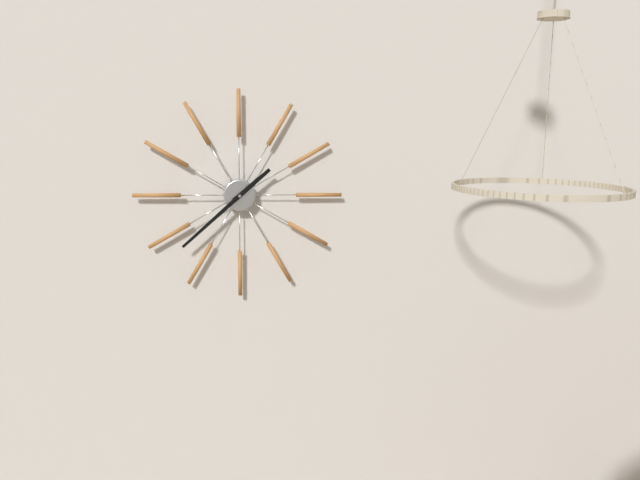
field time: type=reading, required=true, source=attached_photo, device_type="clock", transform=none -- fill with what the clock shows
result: 1:38
